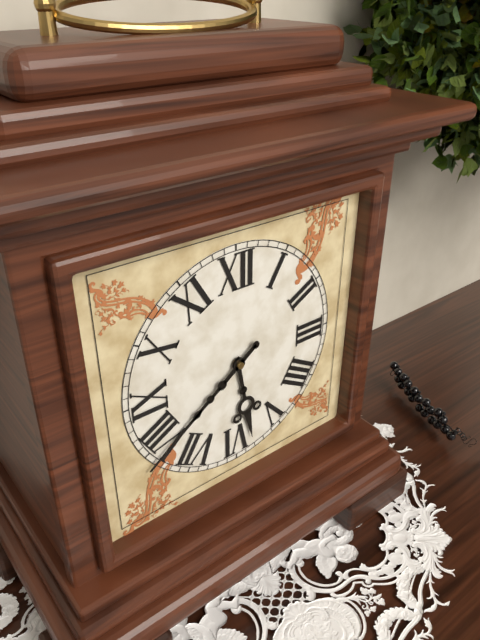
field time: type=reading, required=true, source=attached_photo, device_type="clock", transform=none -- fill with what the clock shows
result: 5:39
